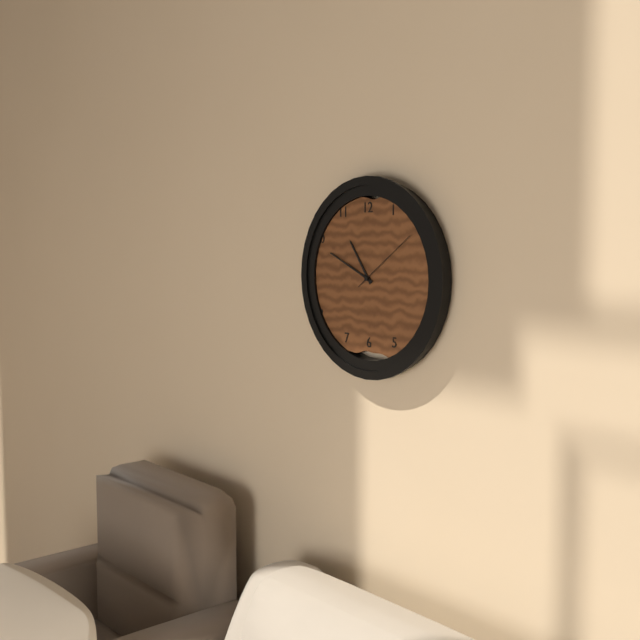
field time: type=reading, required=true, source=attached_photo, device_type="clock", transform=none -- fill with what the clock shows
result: 10:49:09
